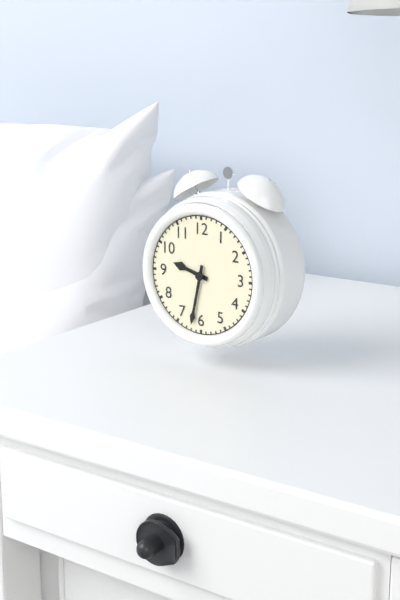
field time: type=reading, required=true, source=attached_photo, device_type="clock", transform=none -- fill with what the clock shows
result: 9:32
